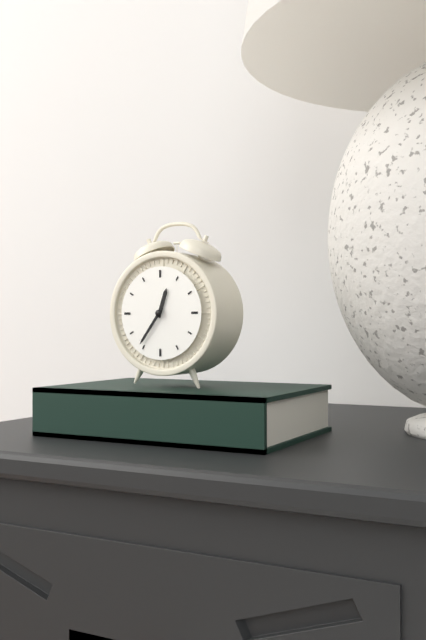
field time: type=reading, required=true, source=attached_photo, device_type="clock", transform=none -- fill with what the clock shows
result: 12:36
